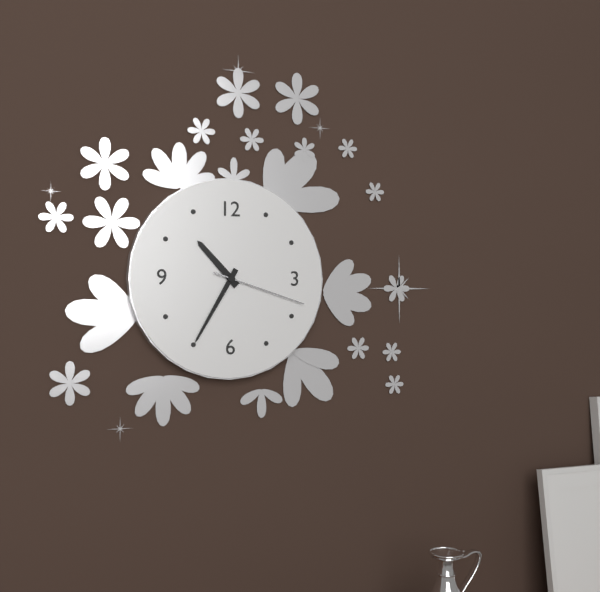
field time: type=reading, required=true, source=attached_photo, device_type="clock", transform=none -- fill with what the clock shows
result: 10:35:18
